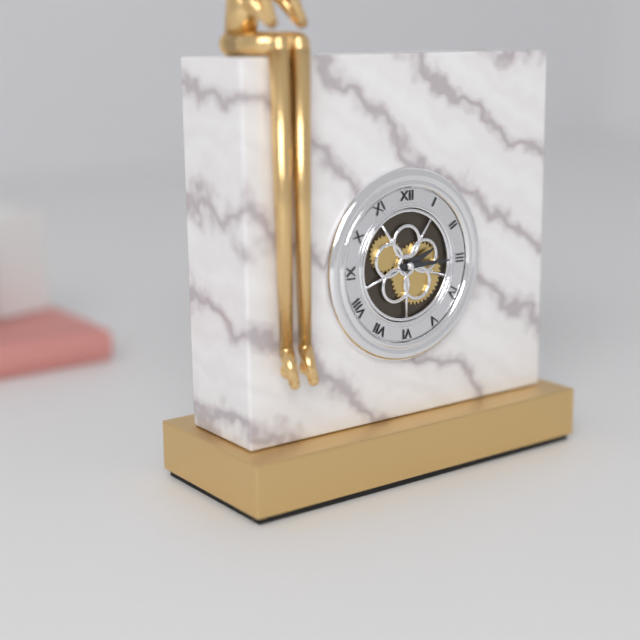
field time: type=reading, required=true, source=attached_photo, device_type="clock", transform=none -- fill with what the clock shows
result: 2:15
